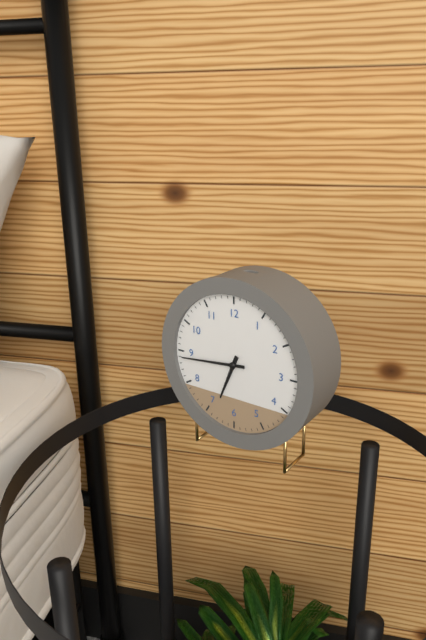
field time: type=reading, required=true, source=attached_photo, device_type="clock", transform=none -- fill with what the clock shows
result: 6:44
